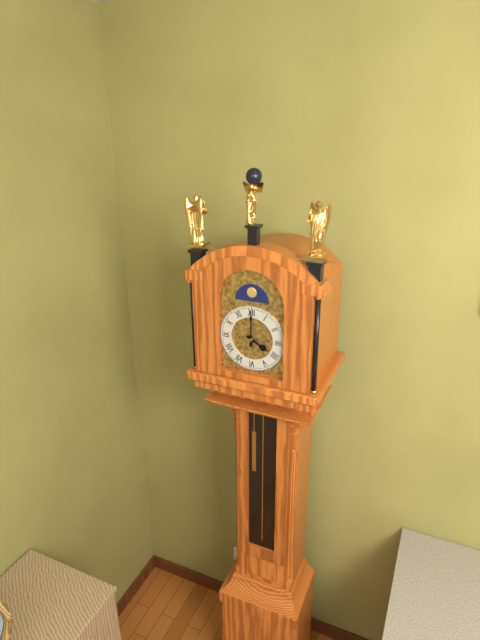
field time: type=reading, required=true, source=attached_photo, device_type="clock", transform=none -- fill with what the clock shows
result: 4:00
